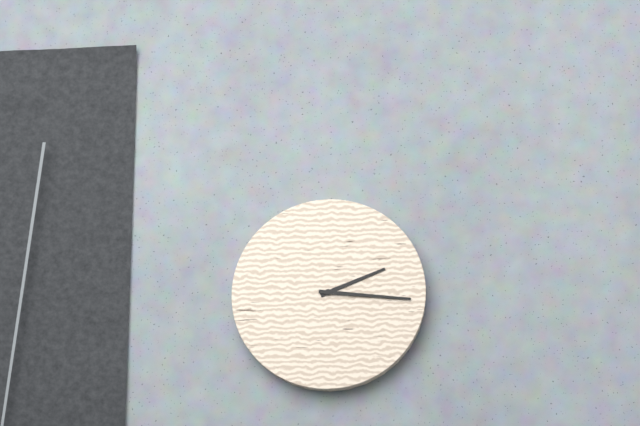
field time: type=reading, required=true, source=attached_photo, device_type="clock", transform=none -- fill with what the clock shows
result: 2:16
